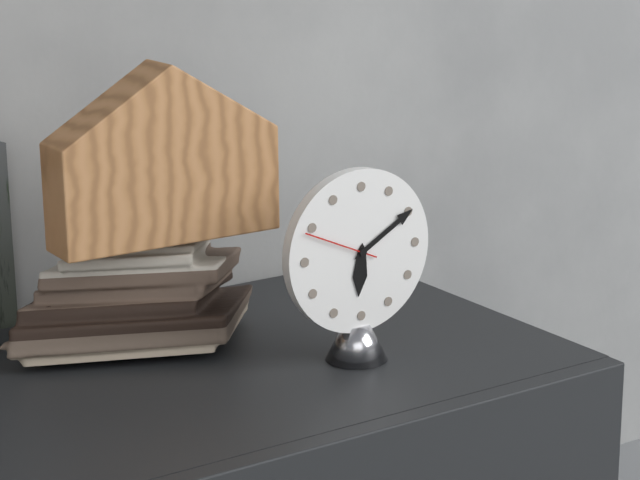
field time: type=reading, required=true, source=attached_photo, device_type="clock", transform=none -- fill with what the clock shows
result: 6:10:49
